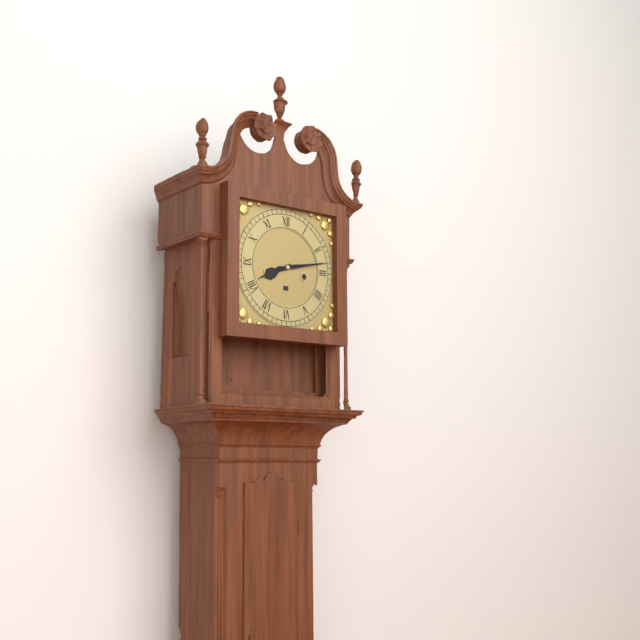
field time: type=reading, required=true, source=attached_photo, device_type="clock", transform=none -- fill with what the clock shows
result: 8:13
